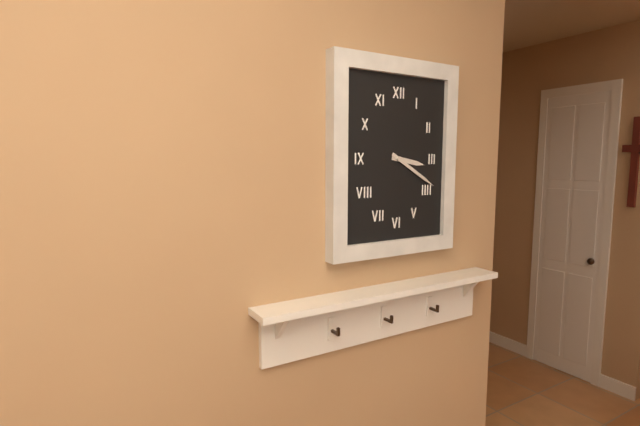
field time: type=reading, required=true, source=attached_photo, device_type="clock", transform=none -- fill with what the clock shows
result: 3:20
